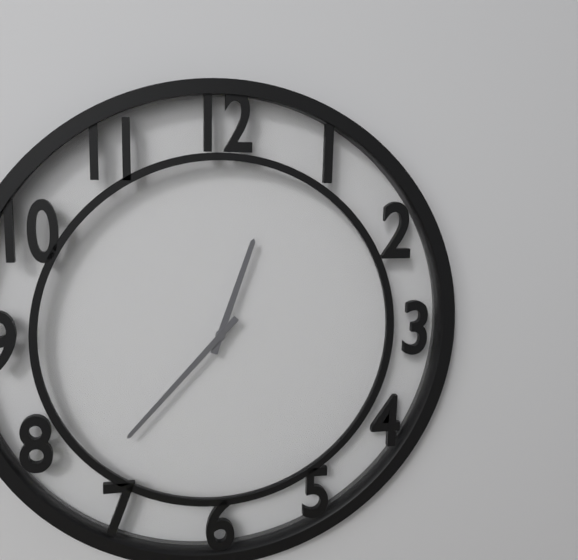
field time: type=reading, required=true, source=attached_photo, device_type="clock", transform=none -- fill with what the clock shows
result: 12:37
